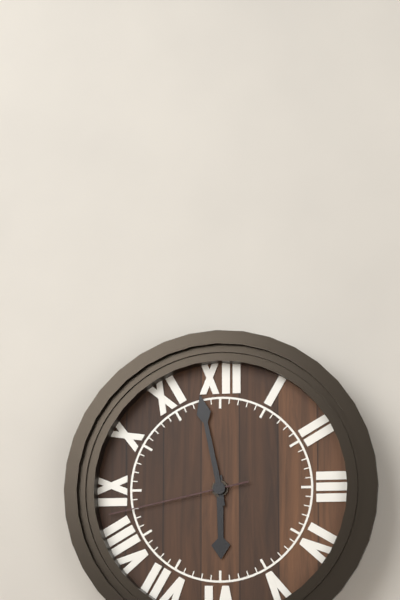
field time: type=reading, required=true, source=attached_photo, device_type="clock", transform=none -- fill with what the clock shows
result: 5:58:43
